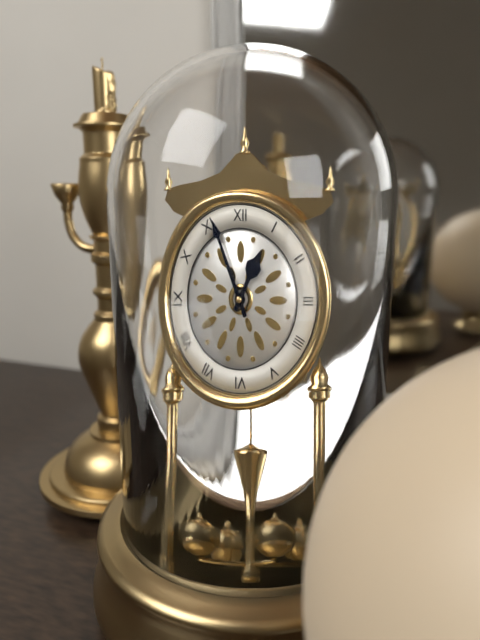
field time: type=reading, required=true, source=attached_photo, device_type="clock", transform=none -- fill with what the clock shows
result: 12:56
